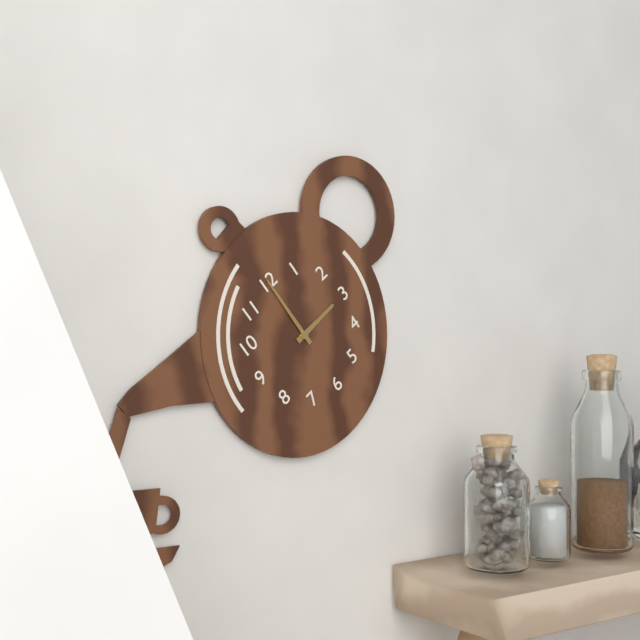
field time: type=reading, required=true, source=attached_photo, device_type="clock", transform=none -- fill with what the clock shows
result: 3:00
